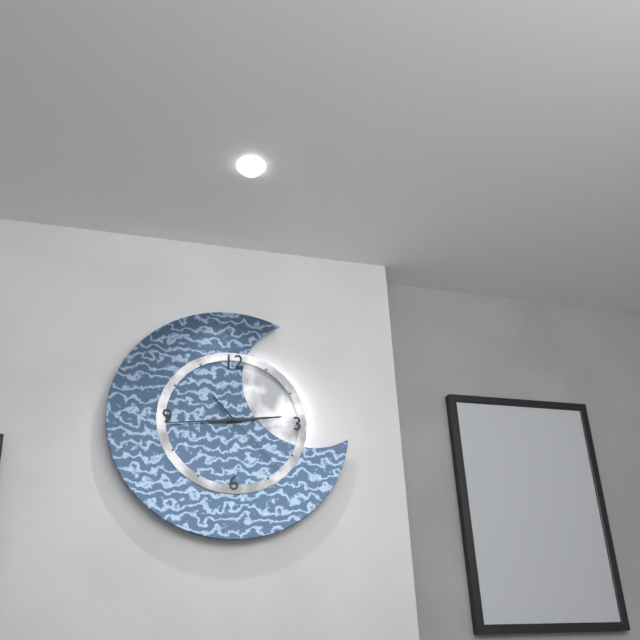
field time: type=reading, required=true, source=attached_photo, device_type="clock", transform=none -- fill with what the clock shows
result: 2:44:23
